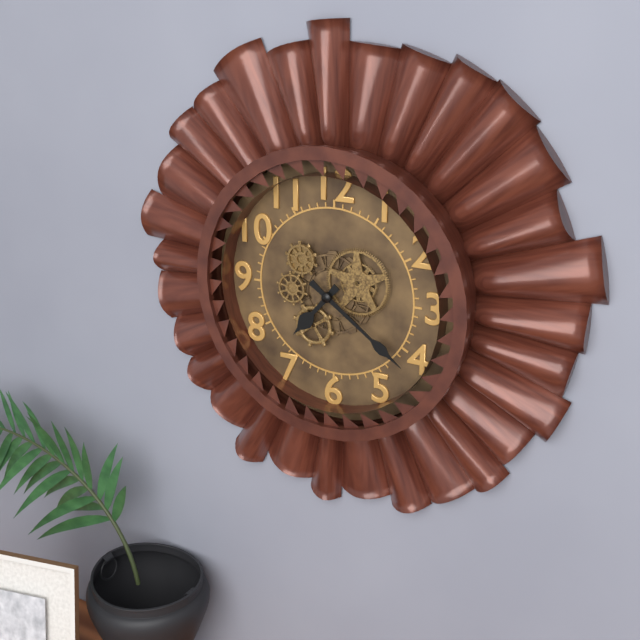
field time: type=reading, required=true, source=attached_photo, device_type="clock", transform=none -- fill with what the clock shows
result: 7:21
